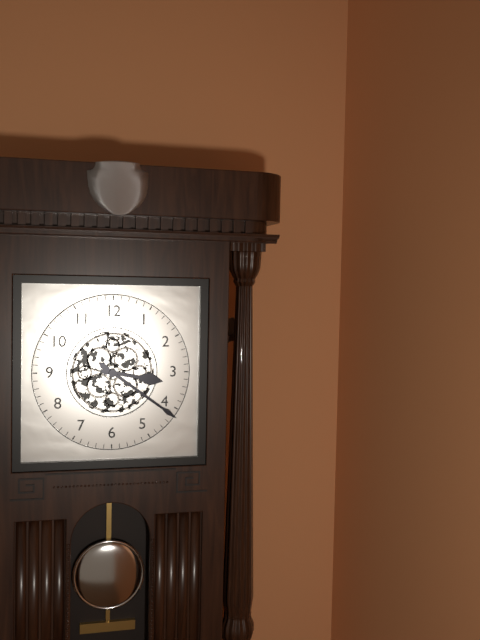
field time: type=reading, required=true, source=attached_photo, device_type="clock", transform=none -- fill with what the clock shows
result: 3:21
